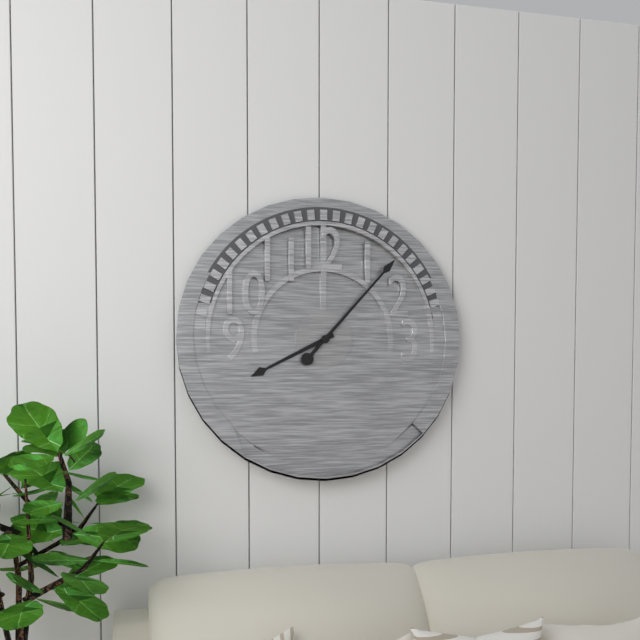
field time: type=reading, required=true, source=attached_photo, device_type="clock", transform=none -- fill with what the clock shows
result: 8:07
